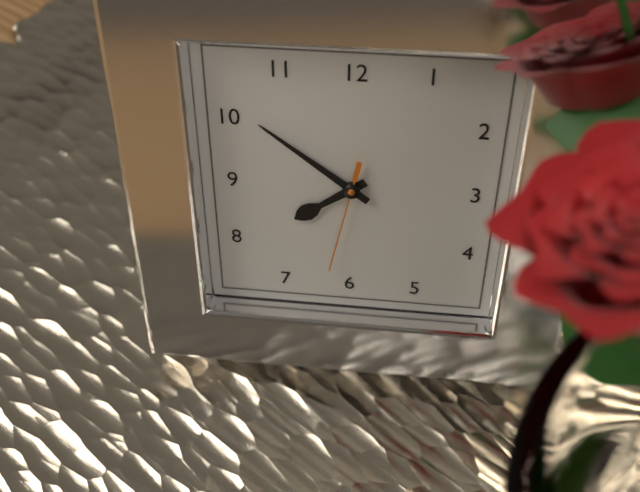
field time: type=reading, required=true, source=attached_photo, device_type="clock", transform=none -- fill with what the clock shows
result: 7:51:32
